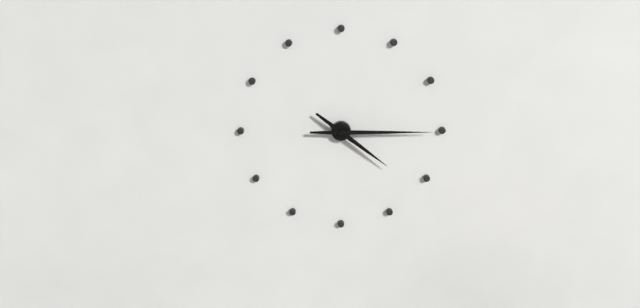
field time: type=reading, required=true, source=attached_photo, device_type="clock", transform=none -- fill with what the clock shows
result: 4:15
